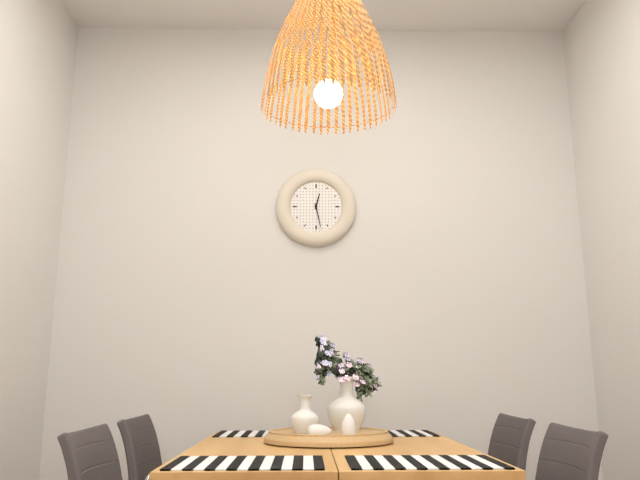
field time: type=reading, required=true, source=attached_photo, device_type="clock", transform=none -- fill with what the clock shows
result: 12:28
